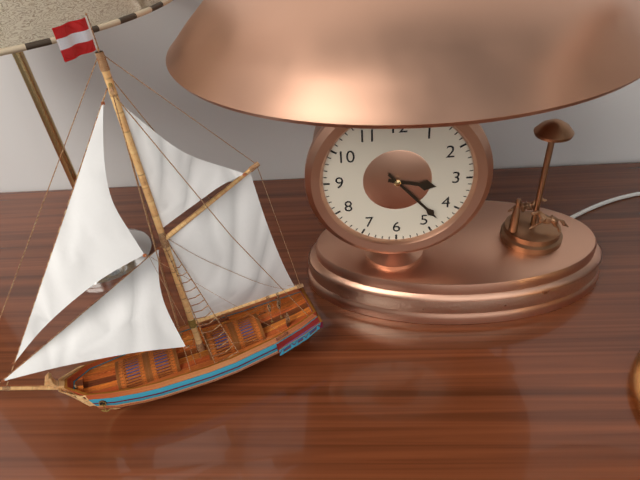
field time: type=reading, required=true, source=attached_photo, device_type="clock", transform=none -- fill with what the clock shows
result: 3:23
